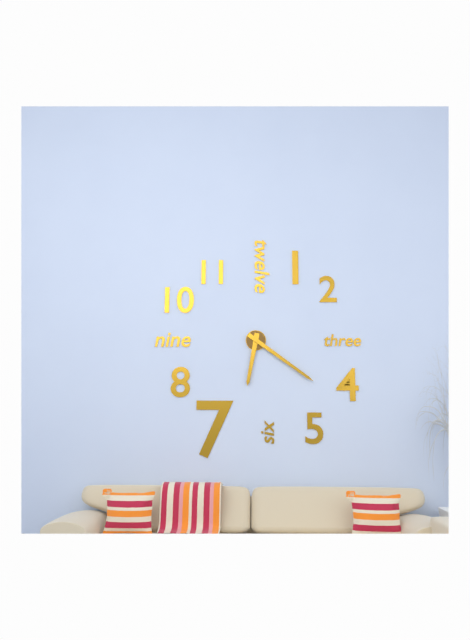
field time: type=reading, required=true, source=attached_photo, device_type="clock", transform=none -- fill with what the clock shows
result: 6:21
